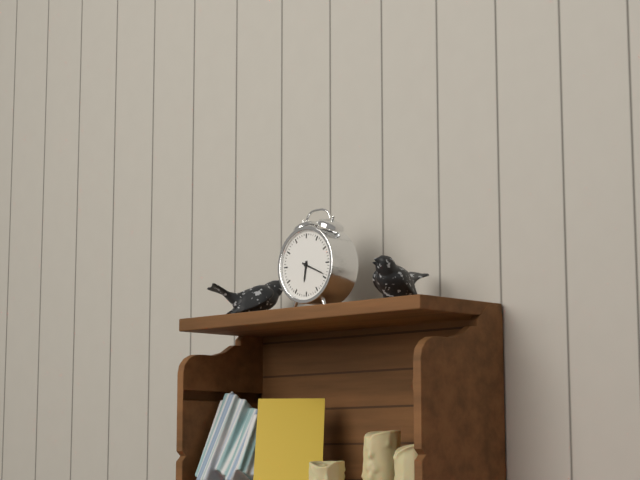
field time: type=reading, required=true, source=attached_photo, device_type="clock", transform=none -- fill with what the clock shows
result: 6:19
